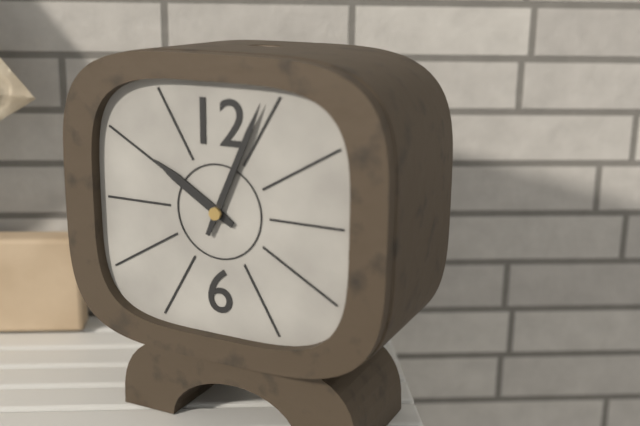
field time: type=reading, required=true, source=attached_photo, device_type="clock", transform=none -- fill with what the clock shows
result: 10:04
